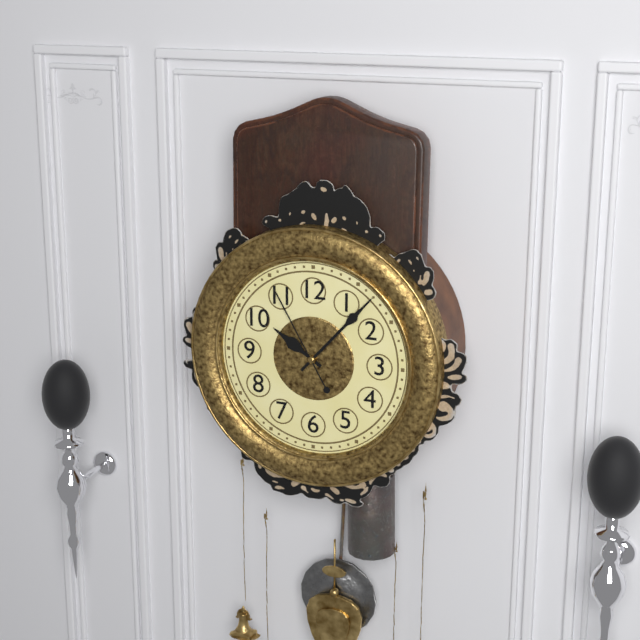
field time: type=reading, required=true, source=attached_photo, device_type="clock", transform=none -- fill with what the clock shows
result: 10:07:55
